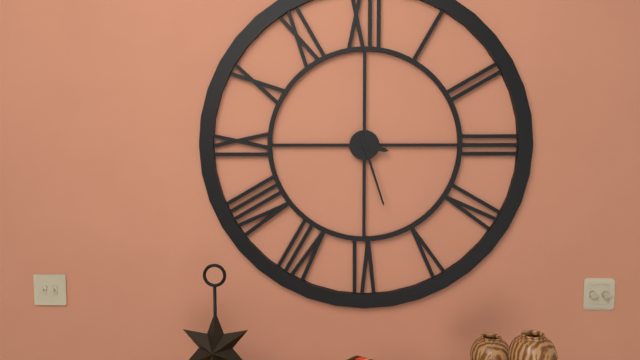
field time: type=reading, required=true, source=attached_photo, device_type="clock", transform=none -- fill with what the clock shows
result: 3:27
